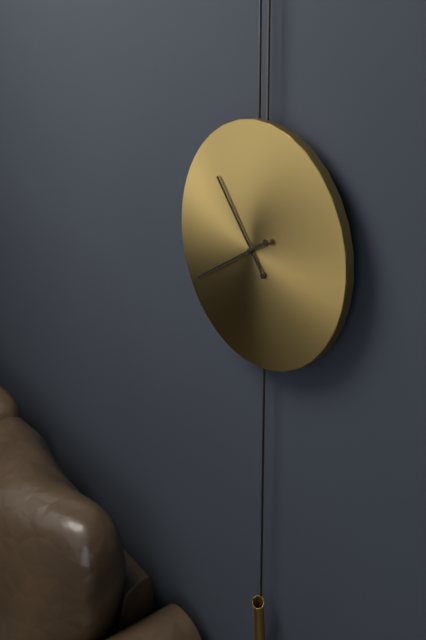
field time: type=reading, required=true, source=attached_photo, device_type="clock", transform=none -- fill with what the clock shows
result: 10:40
